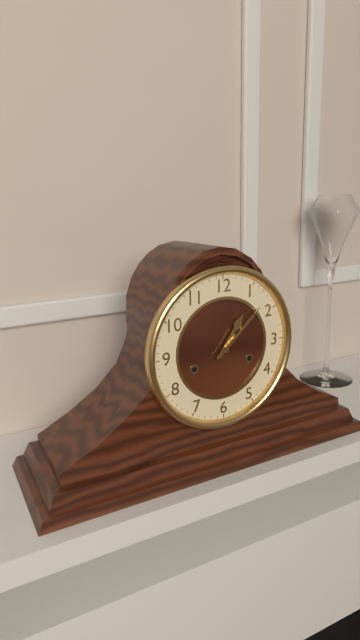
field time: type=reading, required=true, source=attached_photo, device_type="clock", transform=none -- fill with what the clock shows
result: 1:08
